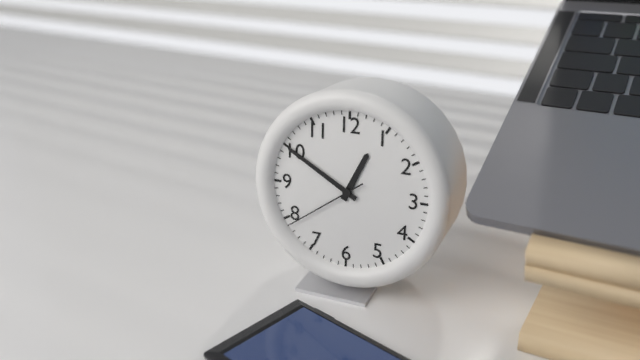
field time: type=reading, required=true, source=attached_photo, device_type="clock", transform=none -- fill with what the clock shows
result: 12:50:39
